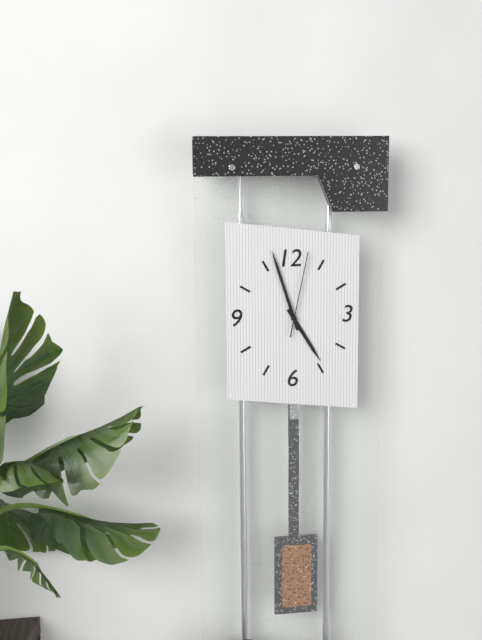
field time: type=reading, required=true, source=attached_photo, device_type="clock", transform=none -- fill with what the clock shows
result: 4:57:02
